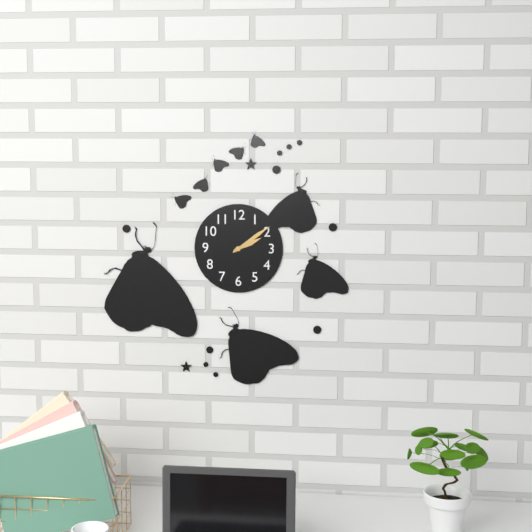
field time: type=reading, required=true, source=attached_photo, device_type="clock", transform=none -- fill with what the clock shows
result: 2:09
